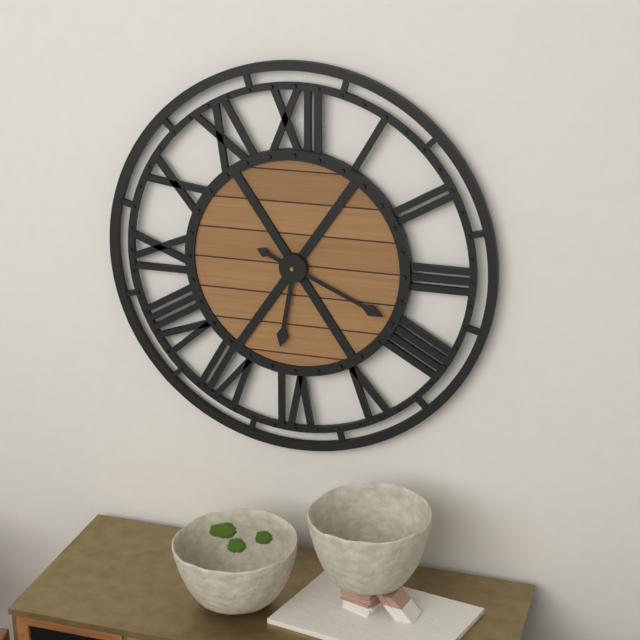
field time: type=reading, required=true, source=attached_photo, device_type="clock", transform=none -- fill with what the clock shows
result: 6:19
